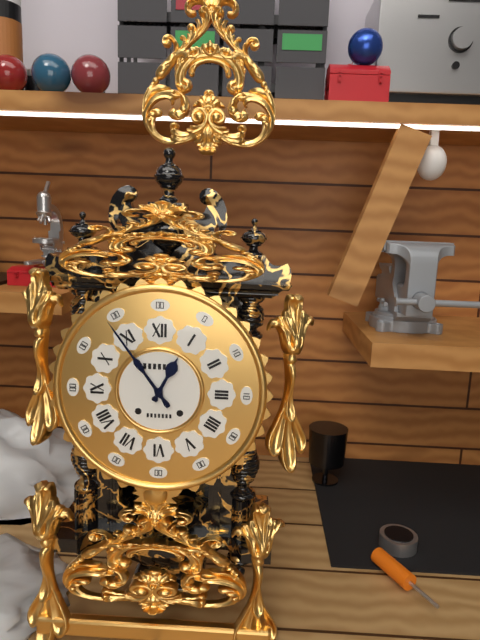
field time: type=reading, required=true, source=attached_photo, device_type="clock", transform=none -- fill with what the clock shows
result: 12:54
